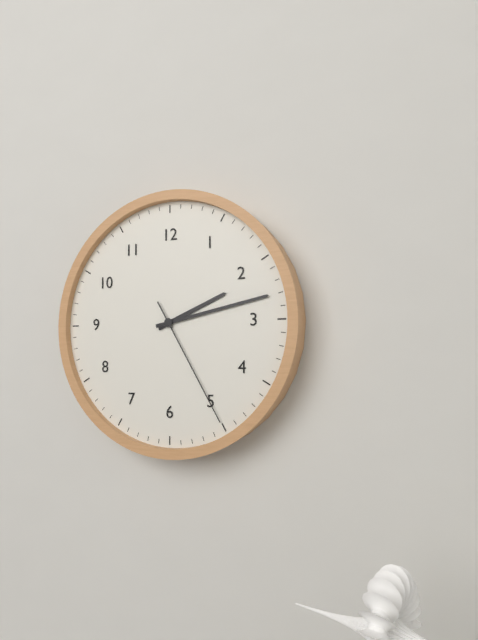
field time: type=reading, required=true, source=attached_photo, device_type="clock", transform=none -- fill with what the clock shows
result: 2:13:25
